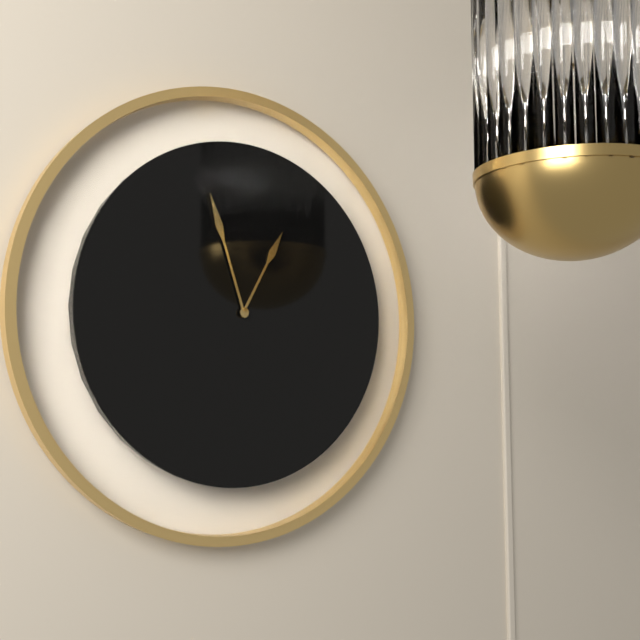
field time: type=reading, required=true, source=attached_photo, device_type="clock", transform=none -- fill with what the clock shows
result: 12:57
